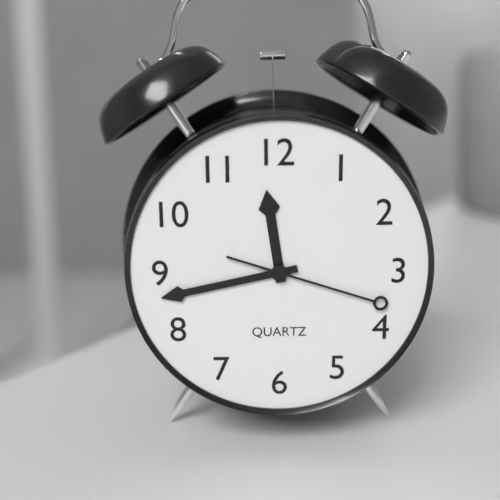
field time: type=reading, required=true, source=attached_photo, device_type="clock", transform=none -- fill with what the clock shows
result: 11:43:18
